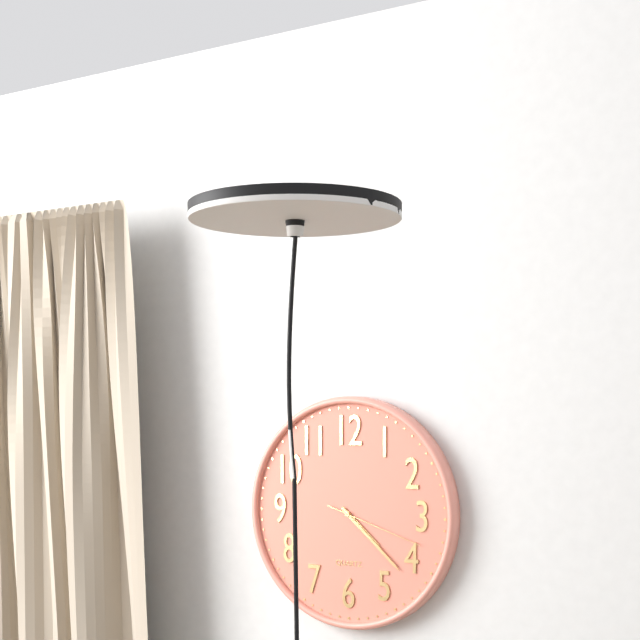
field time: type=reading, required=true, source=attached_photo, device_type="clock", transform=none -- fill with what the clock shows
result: 4:22:18
